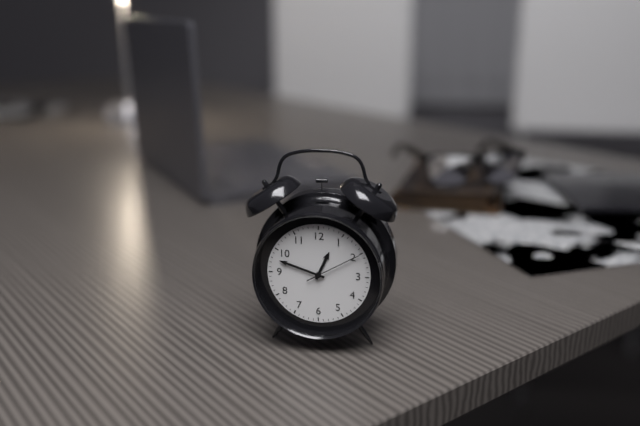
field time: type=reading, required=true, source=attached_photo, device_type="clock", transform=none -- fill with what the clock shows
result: 12:48:10
